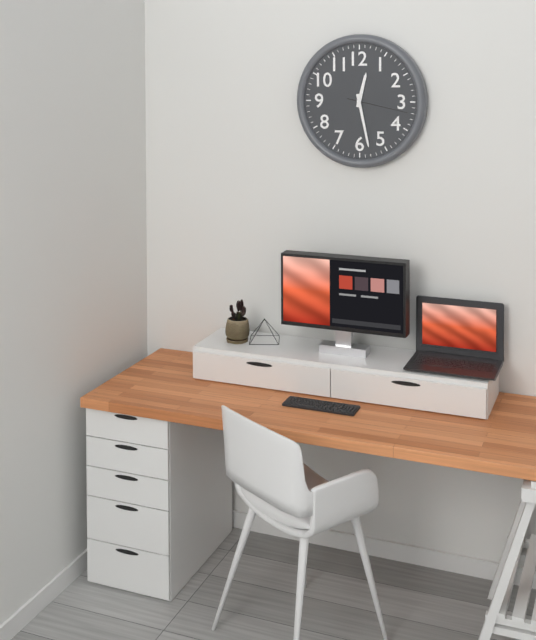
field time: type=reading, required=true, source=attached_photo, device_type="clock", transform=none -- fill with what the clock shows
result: 12:28:17
